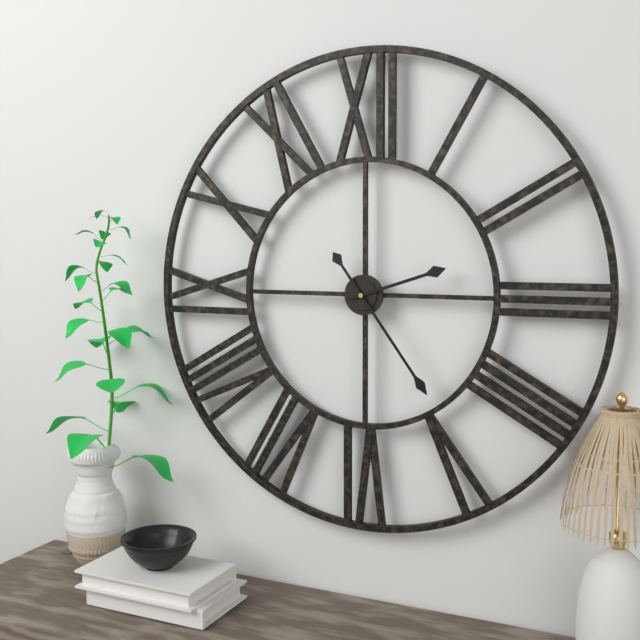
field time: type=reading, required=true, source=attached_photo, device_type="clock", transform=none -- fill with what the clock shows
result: 2:24
